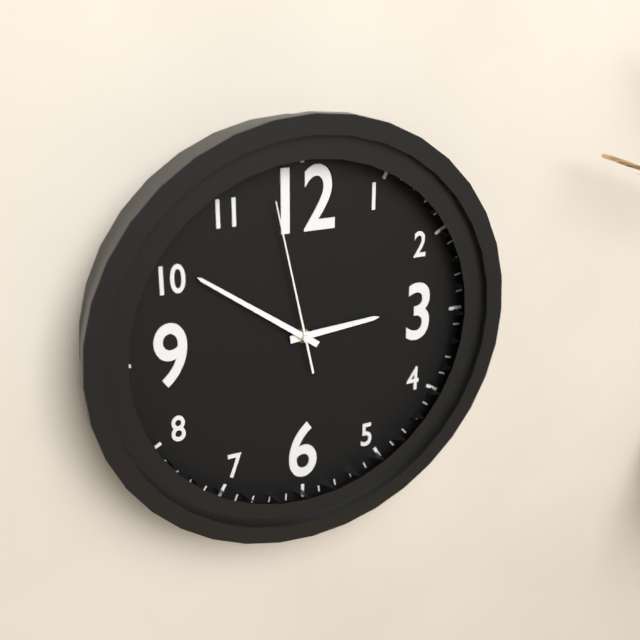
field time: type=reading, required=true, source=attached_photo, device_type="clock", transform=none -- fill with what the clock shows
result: 2:51:58
